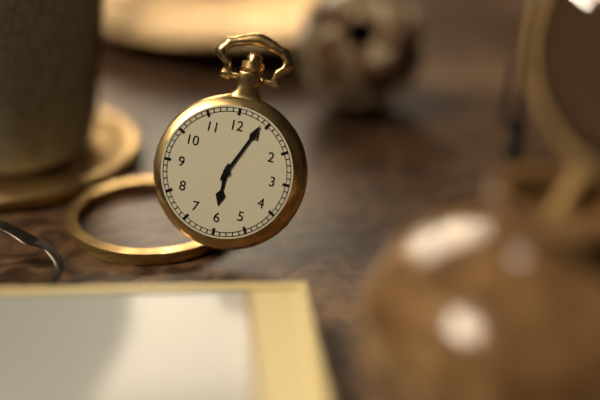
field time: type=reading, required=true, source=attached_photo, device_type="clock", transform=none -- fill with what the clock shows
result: 6:04
